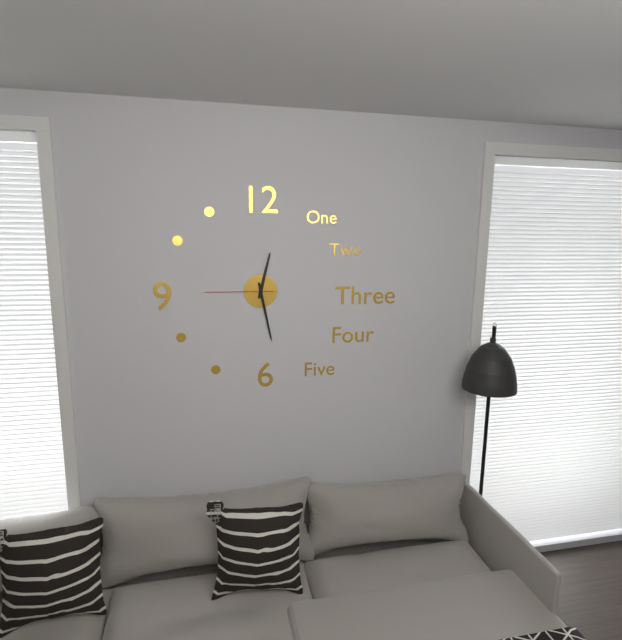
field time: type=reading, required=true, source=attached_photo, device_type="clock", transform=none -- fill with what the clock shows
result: 12:28:45
